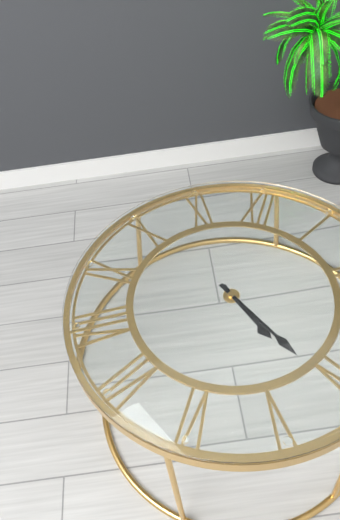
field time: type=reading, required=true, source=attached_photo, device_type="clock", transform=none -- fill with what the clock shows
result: 4:21
